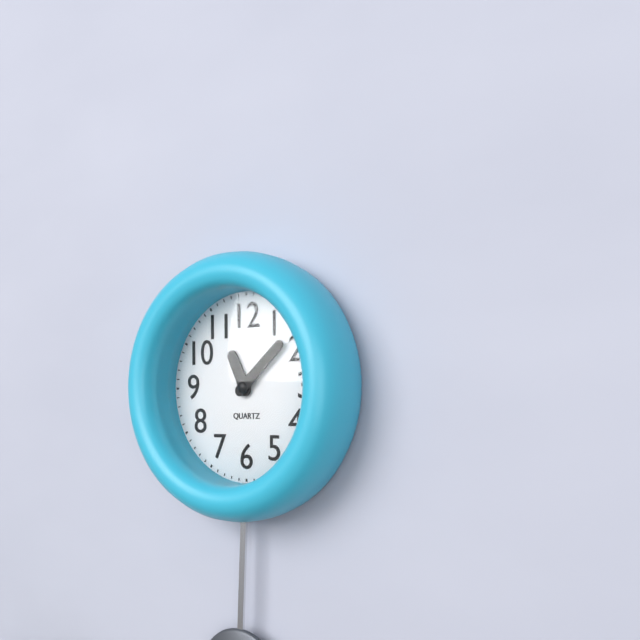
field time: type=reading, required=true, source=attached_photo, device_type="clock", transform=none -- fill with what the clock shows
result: 11:08
